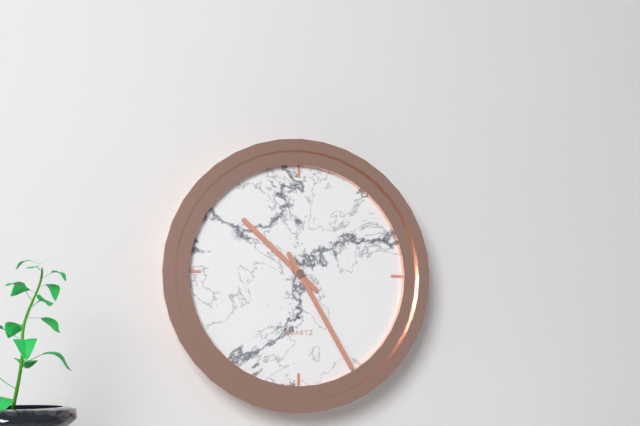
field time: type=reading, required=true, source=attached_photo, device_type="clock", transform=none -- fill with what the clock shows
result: 10:25
